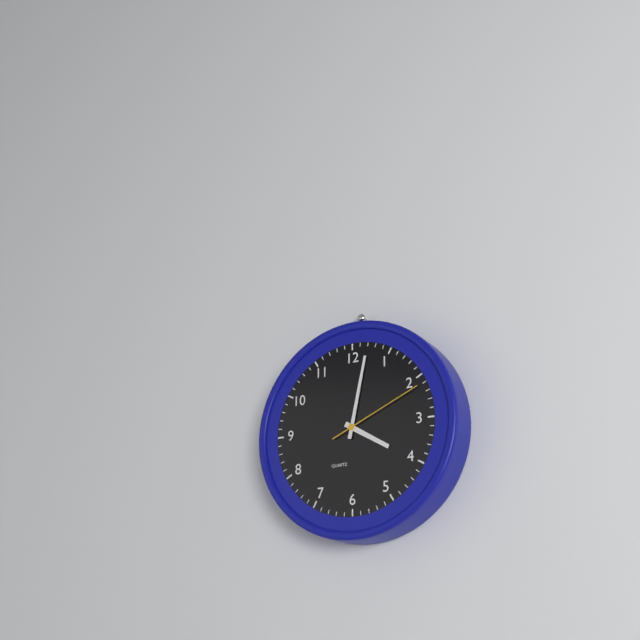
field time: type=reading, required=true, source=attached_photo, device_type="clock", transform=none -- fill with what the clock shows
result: 4:02:11
